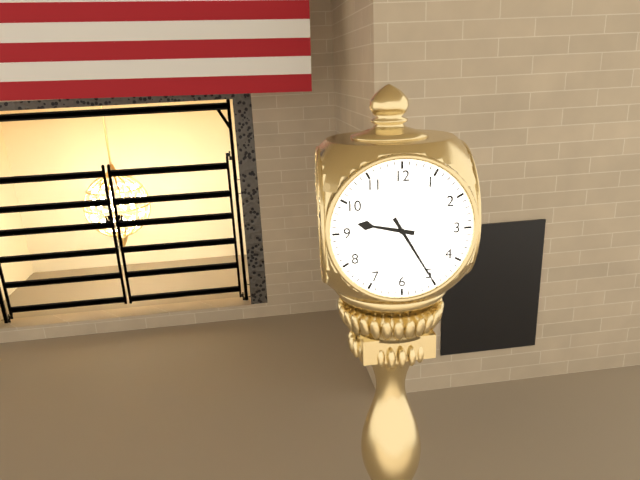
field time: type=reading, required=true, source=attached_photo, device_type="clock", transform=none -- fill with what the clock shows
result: 9:25
